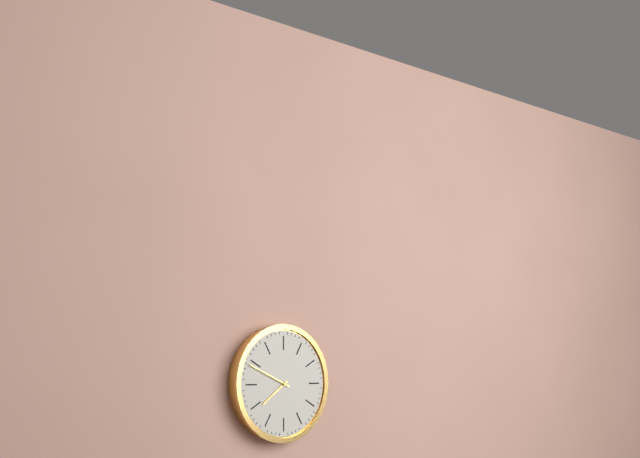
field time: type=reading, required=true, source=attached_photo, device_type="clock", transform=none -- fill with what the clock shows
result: 7:49
